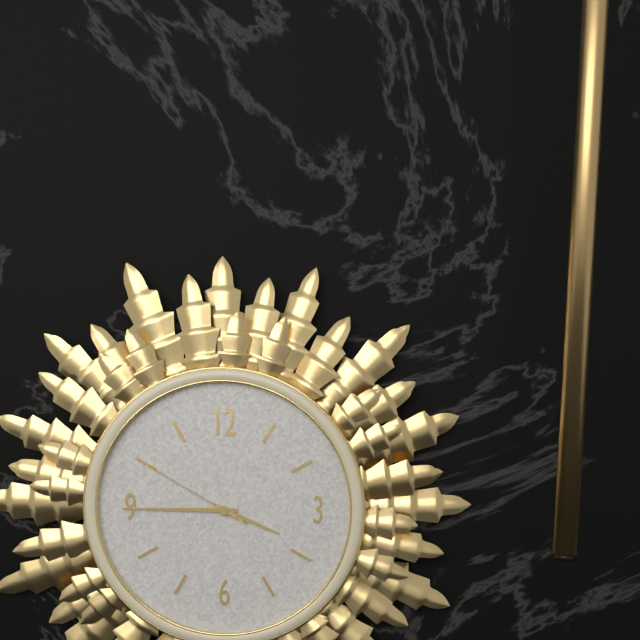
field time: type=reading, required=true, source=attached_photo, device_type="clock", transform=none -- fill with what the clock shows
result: 3:45:50
